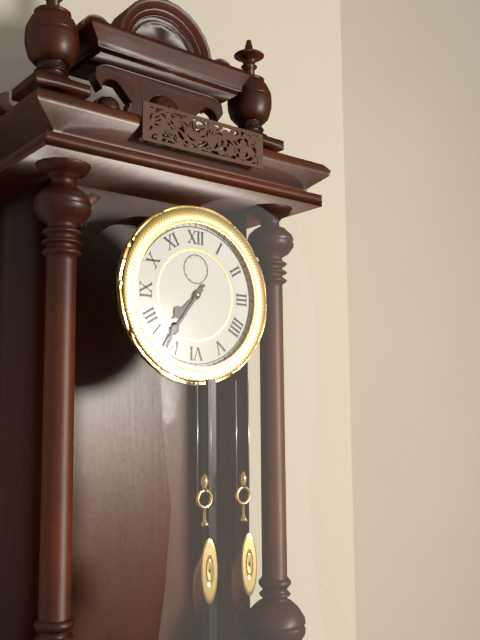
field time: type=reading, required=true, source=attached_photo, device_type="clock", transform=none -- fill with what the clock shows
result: 7:36
